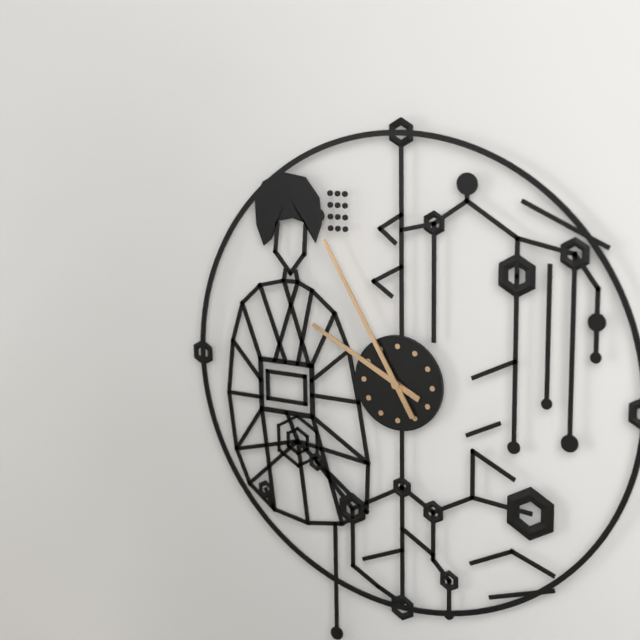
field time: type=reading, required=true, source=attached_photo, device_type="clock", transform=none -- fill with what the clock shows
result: 9:55
